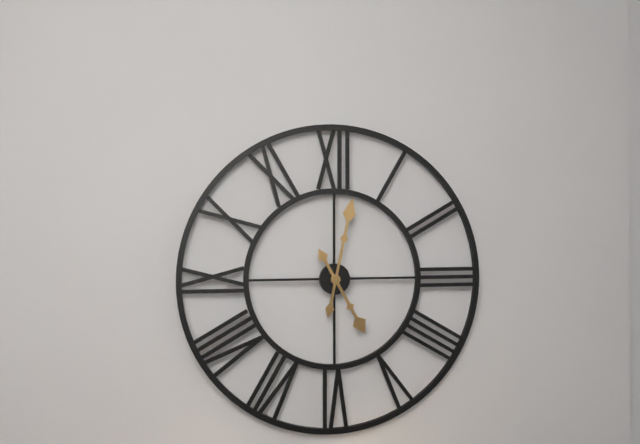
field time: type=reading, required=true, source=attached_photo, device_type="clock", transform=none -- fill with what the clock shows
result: 5:02
